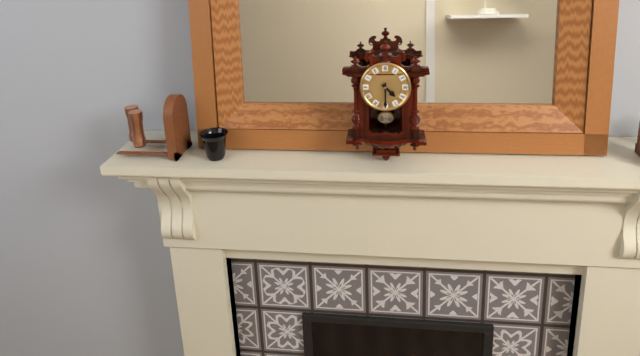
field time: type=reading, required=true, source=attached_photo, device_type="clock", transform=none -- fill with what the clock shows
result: 4:30
